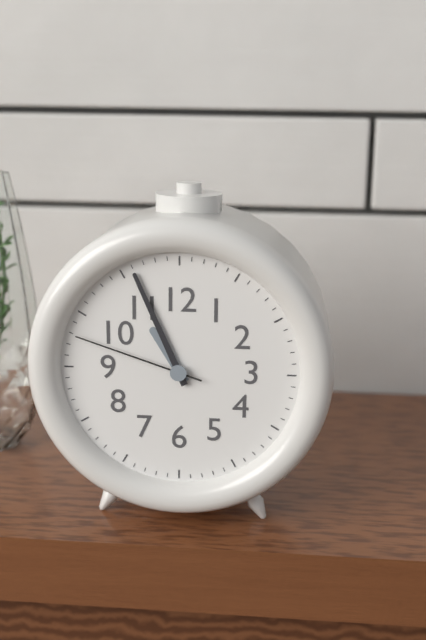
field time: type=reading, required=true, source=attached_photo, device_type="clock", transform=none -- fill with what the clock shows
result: 10:56:48
